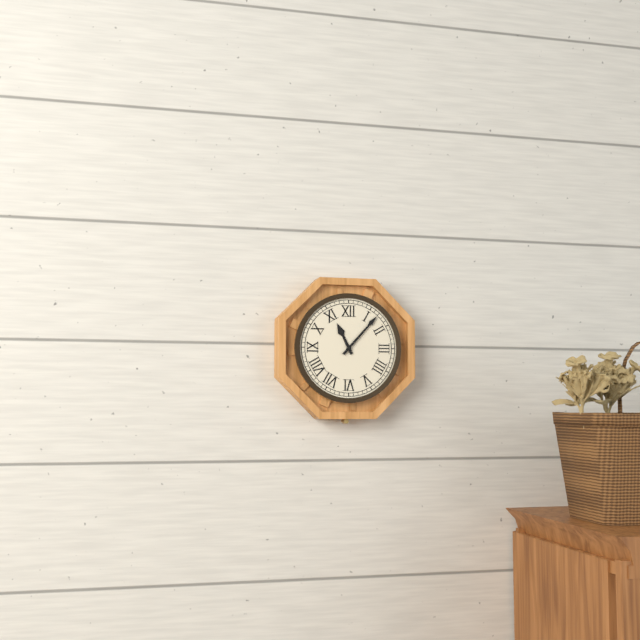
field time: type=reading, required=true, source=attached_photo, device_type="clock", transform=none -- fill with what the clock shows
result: 11:07
